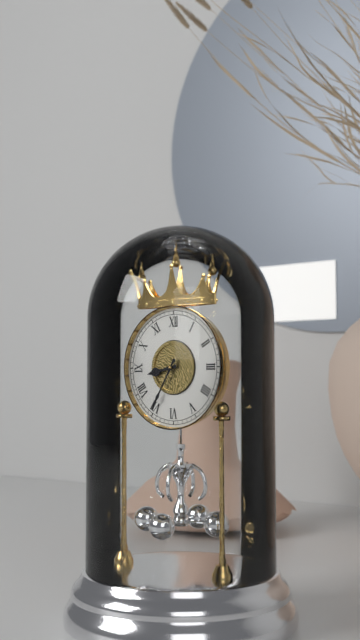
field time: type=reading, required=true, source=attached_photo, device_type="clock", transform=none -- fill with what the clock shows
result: 8:35
